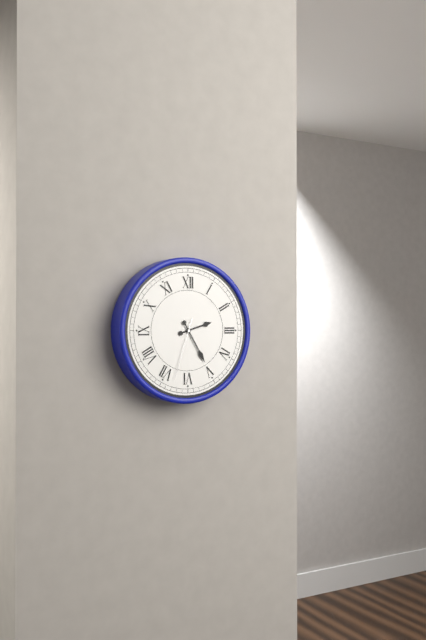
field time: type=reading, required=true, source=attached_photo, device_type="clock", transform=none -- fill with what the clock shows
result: 2:25:33
